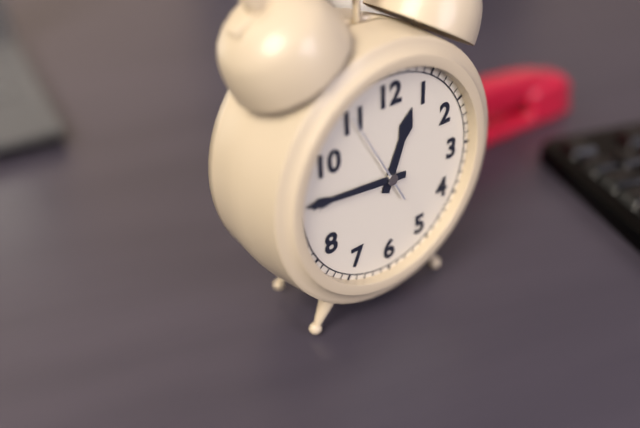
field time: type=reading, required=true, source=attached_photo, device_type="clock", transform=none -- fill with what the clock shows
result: 12:46:55
